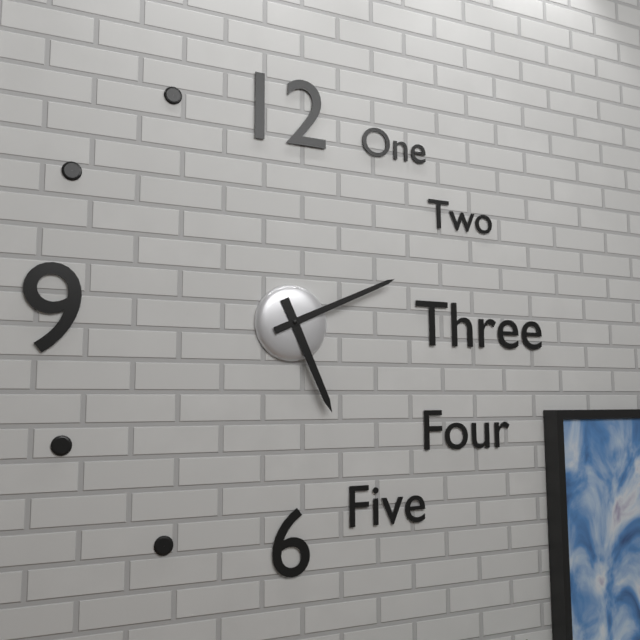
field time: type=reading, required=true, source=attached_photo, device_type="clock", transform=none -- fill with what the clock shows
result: 5:11
